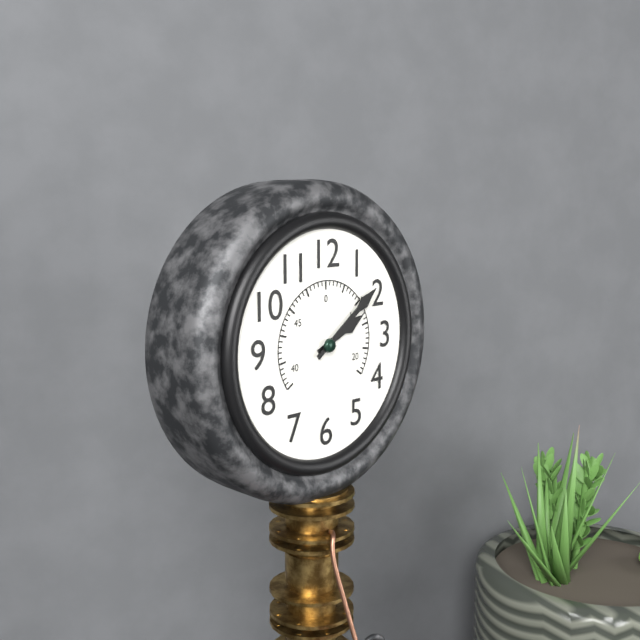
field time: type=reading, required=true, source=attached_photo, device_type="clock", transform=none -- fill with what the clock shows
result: 2:09
